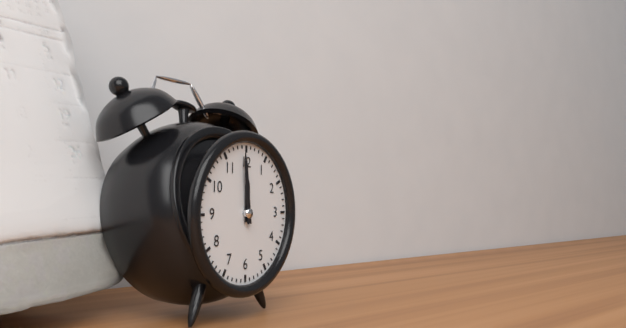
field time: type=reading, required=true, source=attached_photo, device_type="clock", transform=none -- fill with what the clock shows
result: 11:59
